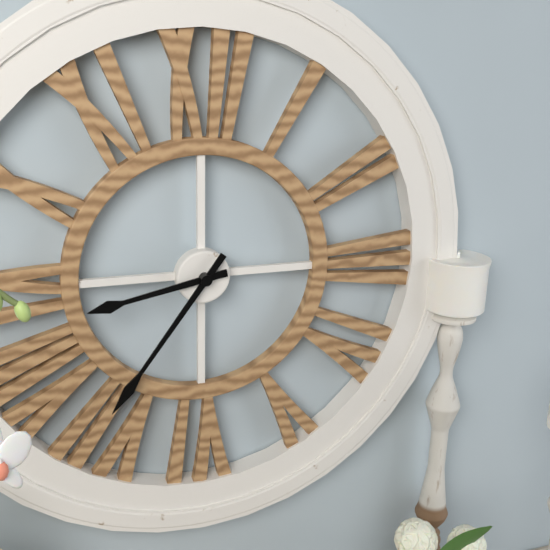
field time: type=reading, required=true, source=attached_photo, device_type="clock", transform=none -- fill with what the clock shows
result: 8:36
